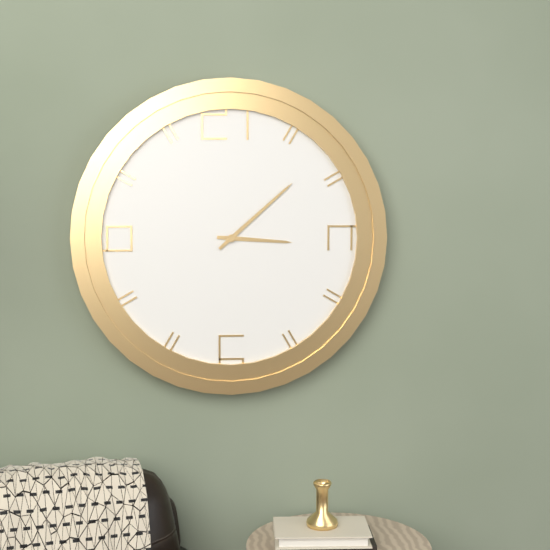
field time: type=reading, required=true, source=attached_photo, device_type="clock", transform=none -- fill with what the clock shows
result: 3:08
